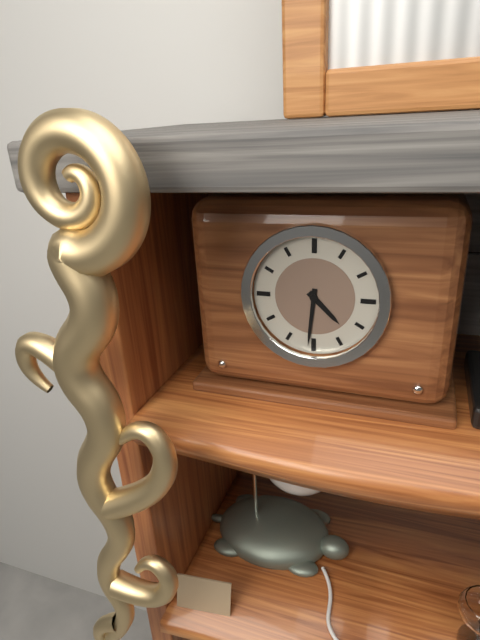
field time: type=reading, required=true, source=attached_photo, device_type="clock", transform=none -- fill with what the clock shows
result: 4:31
